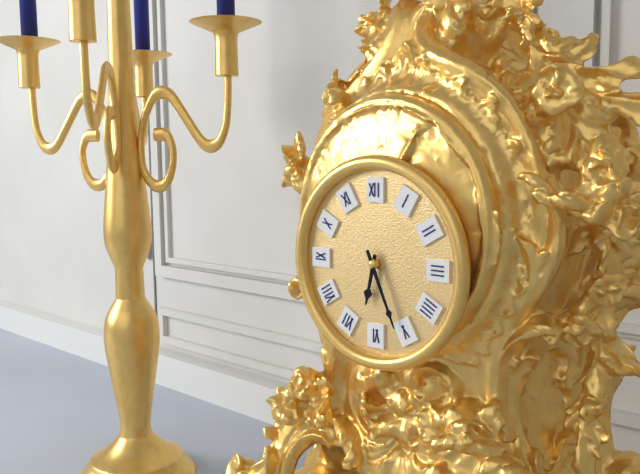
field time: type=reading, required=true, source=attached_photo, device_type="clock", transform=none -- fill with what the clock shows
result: 6:26
